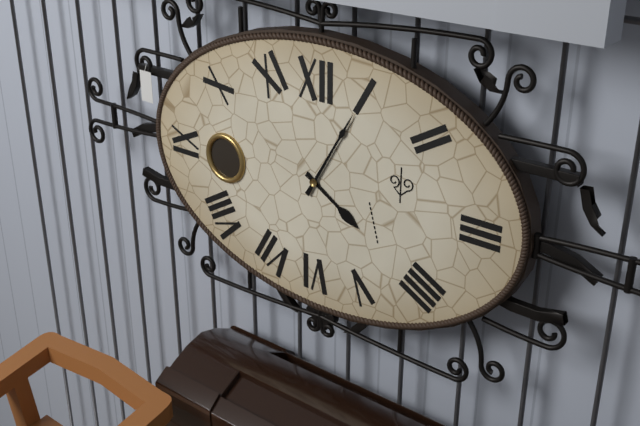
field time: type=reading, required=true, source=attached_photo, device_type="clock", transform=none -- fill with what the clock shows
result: 4:05
